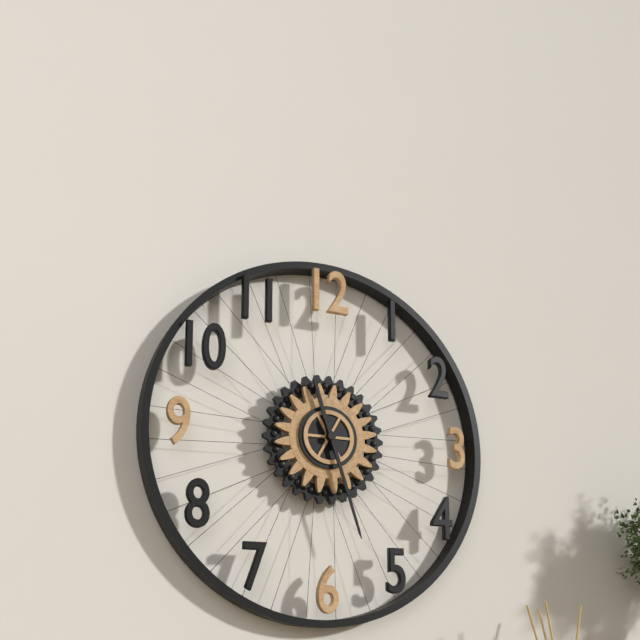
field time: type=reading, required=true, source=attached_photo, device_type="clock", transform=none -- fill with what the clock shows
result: 11:27
